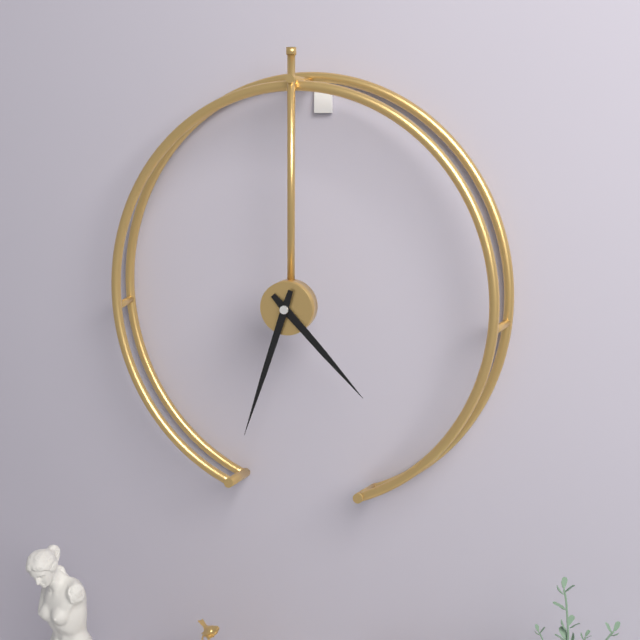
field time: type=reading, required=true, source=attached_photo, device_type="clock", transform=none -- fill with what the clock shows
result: 4:33
